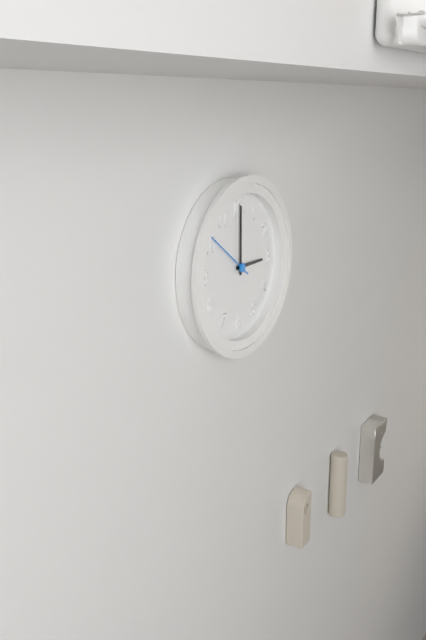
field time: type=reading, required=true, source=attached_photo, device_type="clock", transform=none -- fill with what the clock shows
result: 3:00:51
